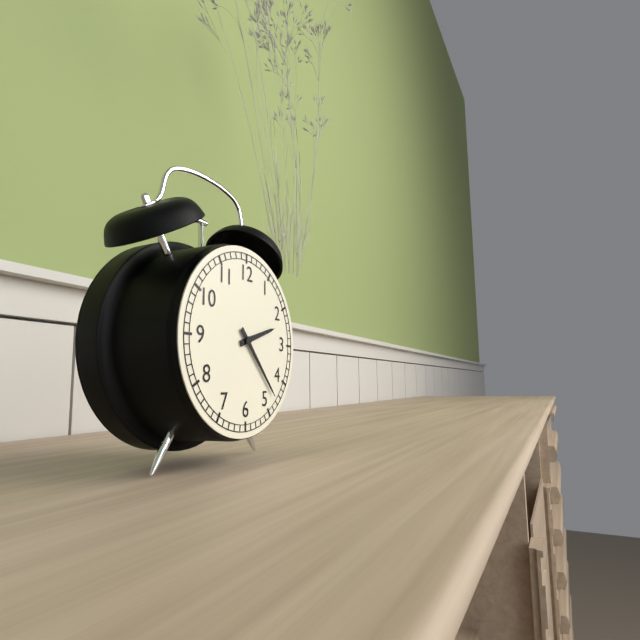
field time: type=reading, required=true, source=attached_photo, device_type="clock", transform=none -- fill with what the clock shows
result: 2:23
